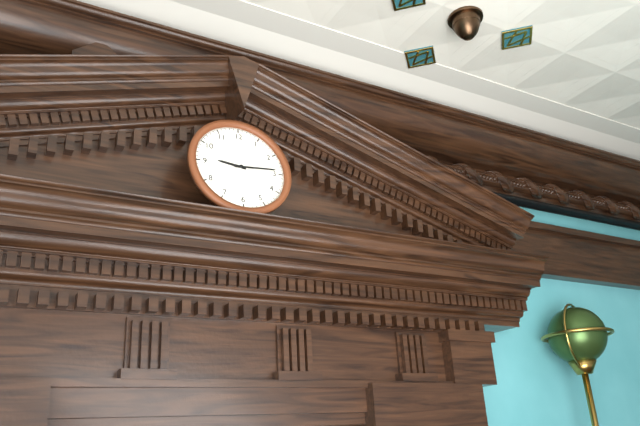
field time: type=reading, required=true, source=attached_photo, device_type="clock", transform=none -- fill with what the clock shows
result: 9:14
